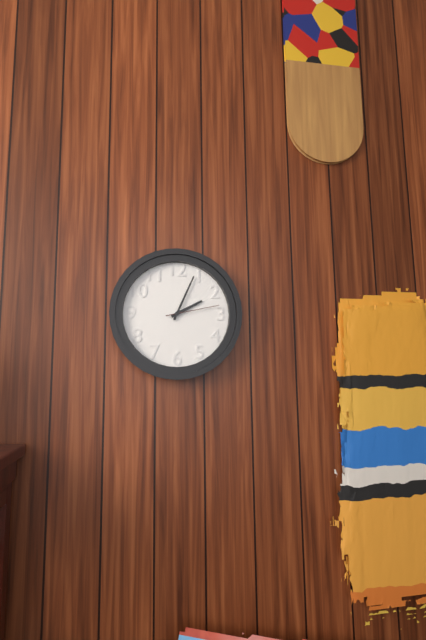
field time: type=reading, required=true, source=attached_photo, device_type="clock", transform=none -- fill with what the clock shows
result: 2:04:13
